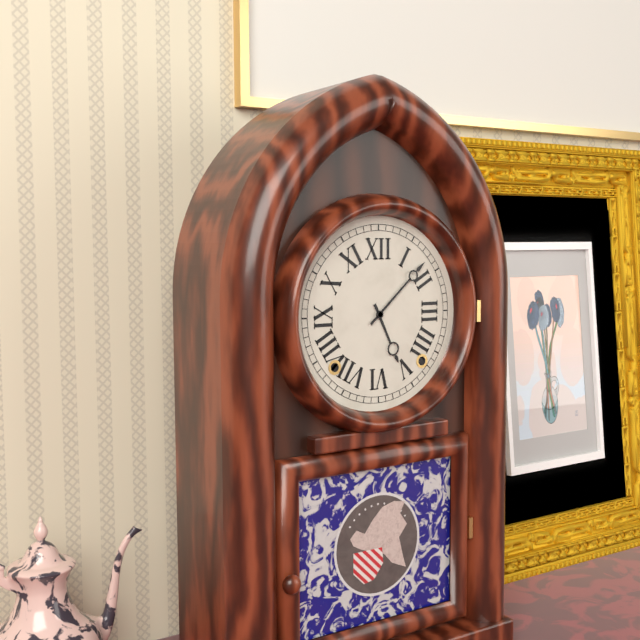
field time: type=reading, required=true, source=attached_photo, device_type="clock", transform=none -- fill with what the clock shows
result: 5:08
